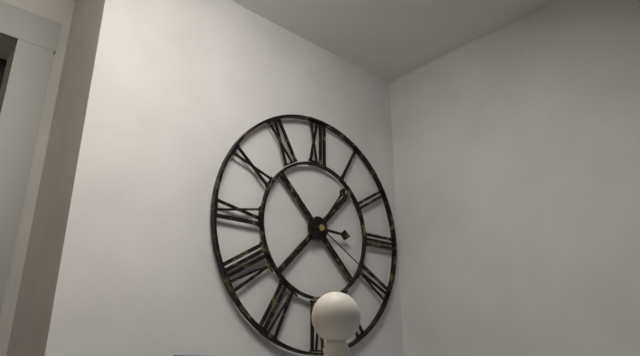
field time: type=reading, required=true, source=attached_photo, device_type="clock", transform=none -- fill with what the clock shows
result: 3:06:20
